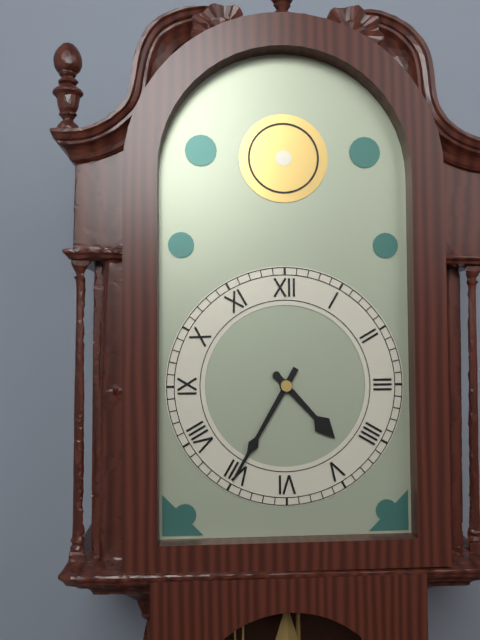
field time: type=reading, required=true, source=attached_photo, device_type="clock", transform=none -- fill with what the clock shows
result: 4:35
